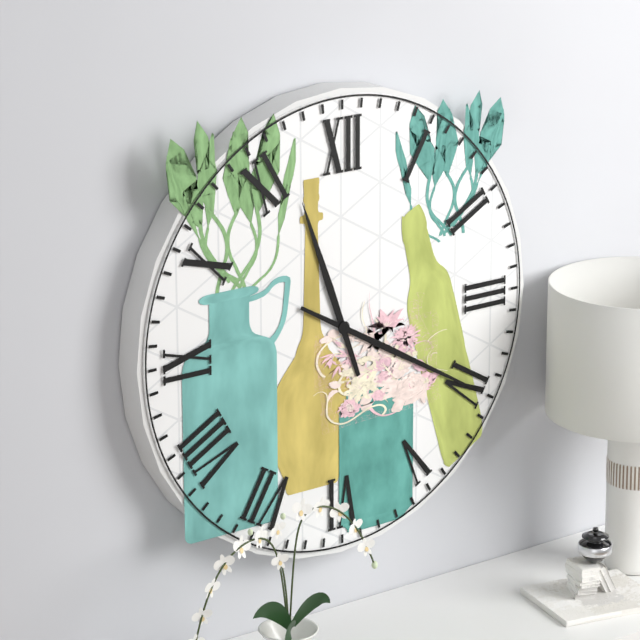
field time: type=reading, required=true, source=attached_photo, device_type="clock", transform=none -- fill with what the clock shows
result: 11:20
